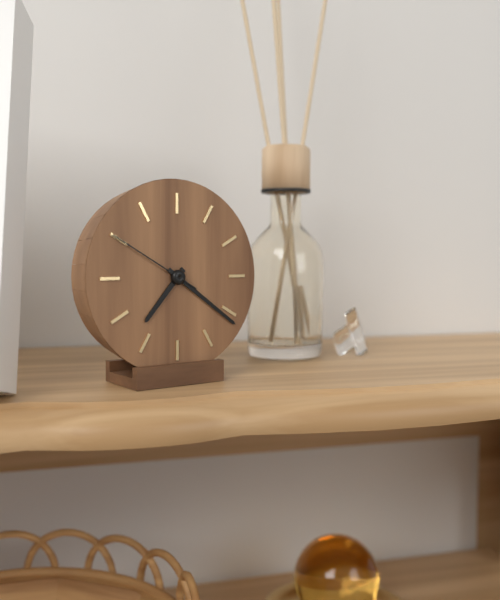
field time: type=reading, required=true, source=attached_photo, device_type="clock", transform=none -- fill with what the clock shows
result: 7:21:50
